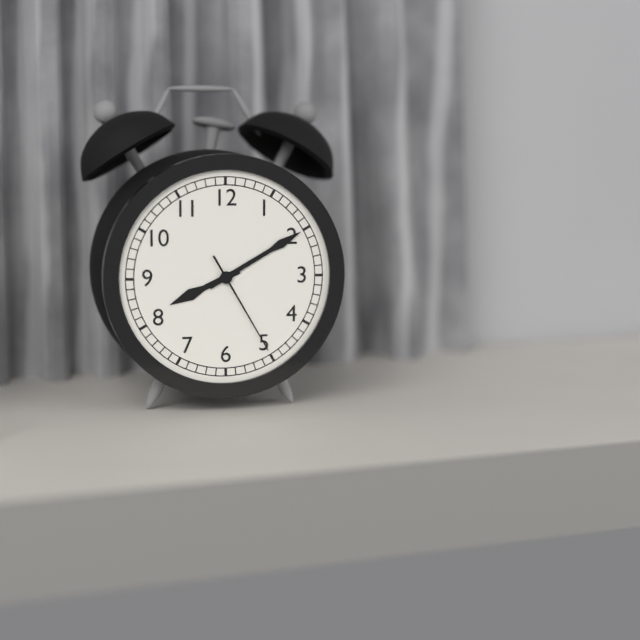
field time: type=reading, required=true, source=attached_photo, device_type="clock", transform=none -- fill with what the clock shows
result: 8:10:25
